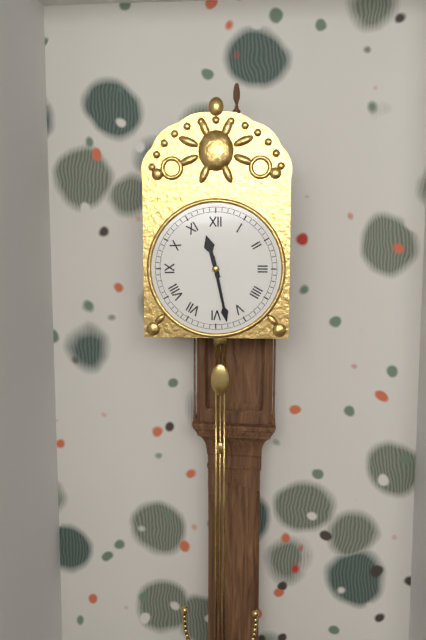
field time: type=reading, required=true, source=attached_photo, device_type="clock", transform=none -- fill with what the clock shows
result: 11:28
